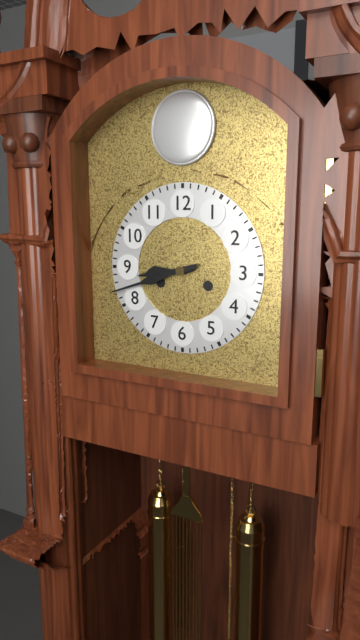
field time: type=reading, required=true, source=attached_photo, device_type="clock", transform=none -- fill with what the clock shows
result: 8:42
